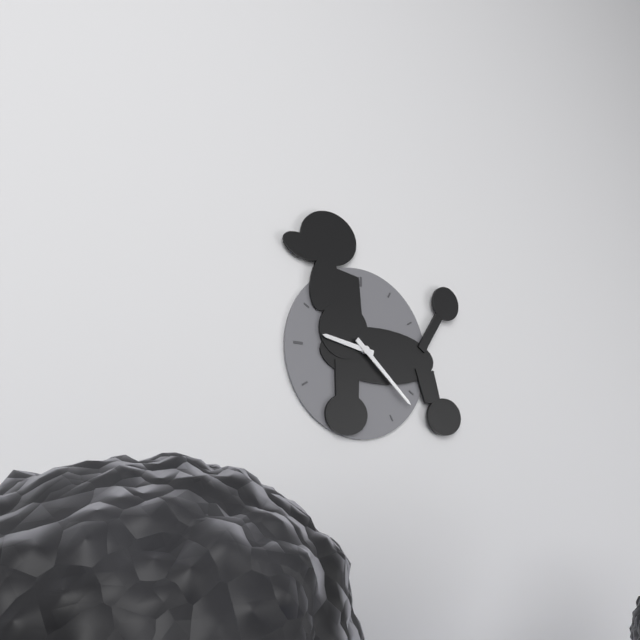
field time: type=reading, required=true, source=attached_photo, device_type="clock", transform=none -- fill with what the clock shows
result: 9:22
